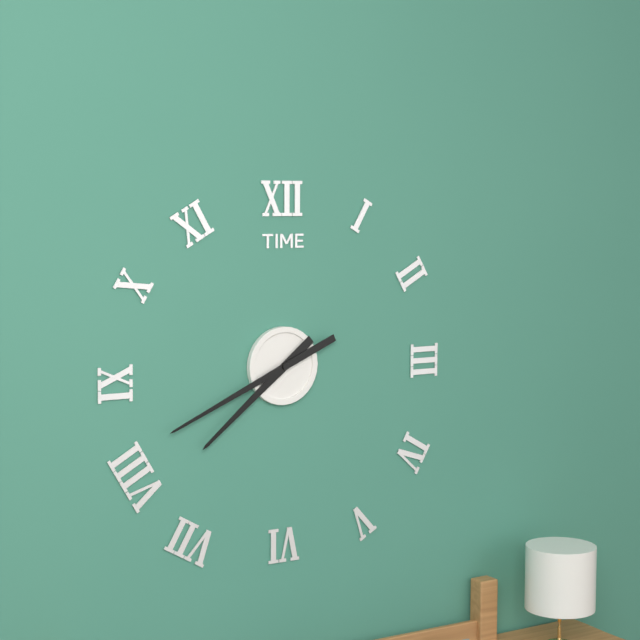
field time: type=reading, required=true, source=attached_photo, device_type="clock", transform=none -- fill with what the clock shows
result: 7:41
